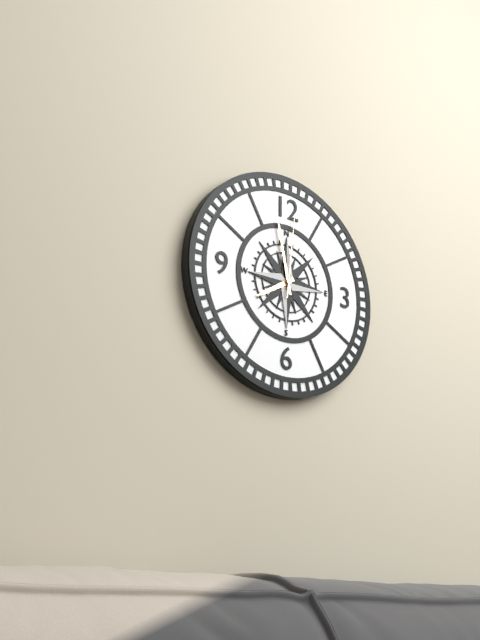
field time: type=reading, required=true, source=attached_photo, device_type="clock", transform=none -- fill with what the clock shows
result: 7:58:01
